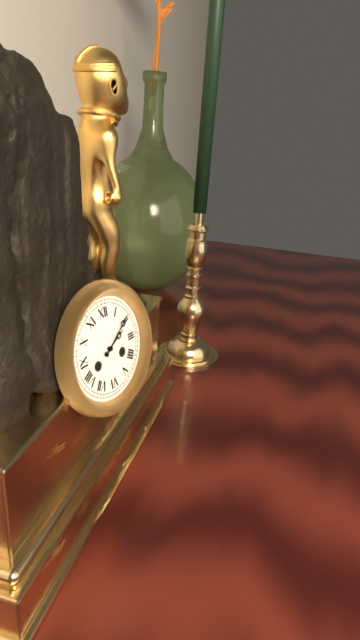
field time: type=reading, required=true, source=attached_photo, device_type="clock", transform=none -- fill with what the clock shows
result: 2:09
